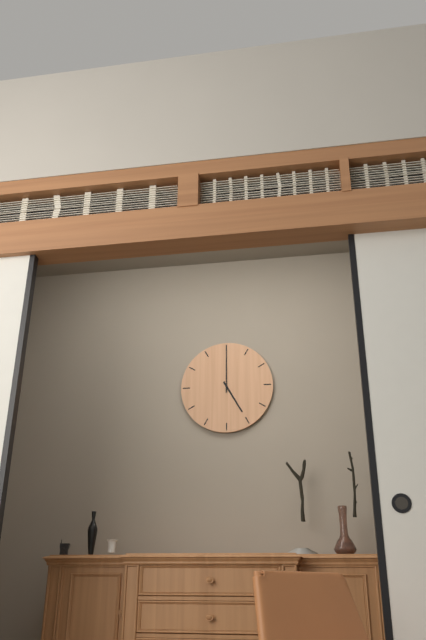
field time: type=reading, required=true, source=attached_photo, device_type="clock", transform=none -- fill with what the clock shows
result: 5:00
